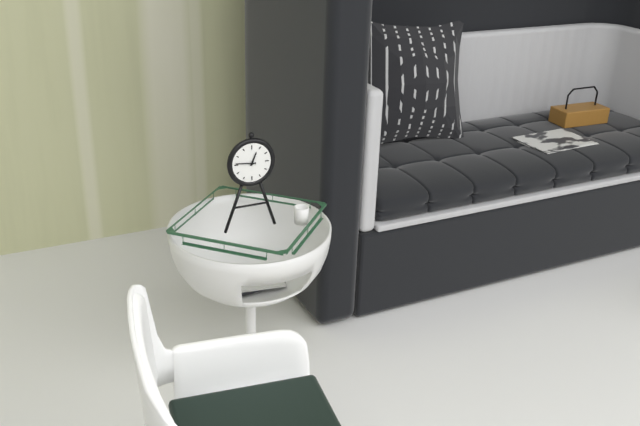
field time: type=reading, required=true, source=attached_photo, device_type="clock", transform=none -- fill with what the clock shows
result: 12:46
